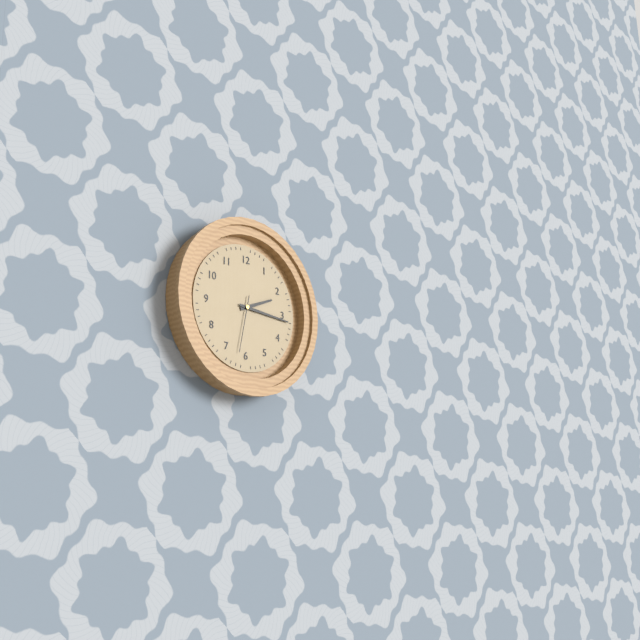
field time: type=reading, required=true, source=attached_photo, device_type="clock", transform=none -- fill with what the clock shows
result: 2:16:32
